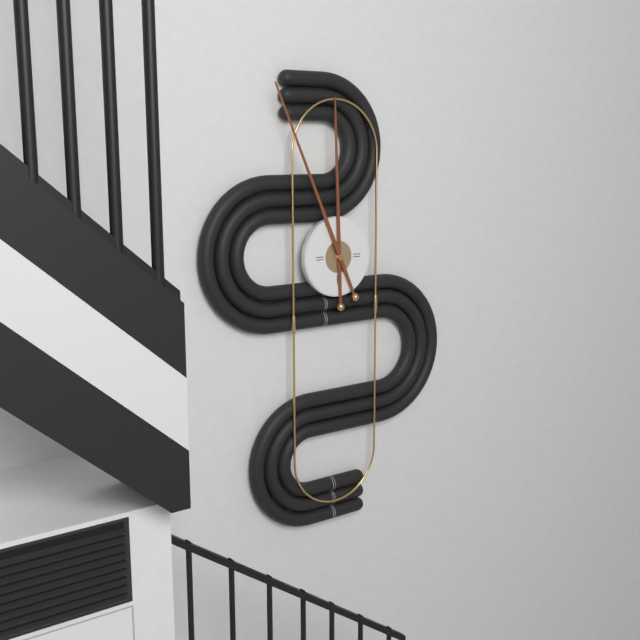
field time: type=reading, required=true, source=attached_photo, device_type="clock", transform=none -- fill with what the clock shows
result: 11:56
